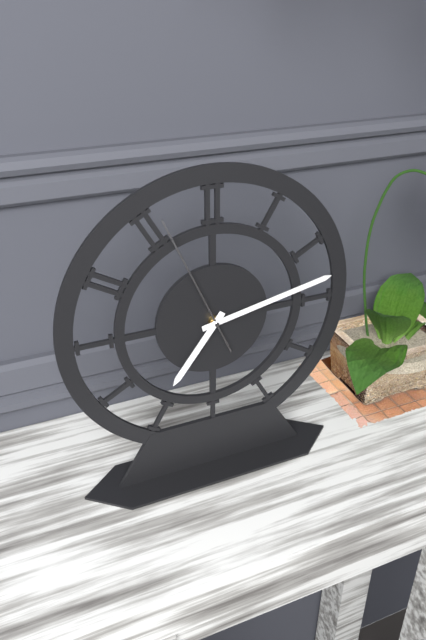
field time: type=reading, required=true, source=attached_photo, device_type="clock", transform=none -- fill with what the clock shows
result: 7:13:56
